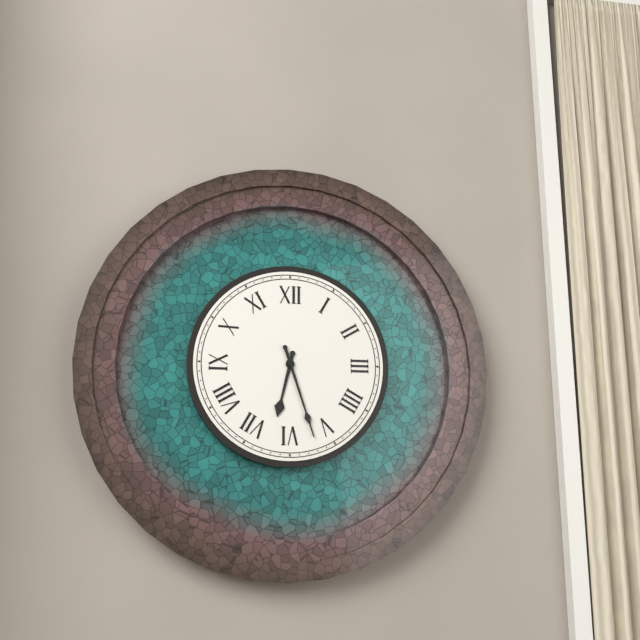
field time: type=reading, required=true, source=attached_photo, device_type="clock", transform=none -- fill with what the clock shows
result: 6:27
